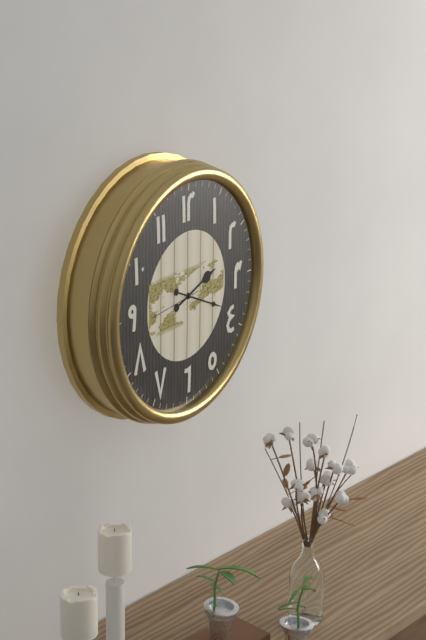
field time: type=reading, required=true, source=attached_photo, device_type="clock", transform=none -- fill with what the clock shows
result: 2:19
